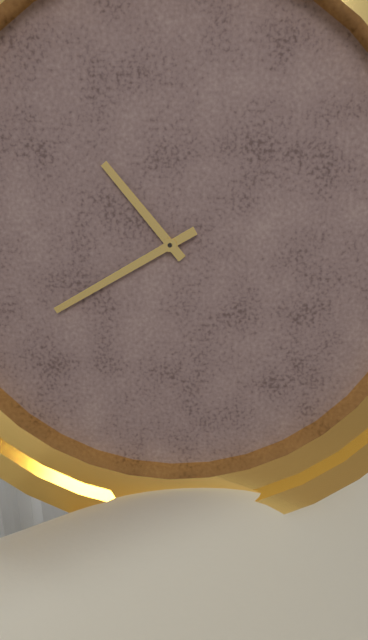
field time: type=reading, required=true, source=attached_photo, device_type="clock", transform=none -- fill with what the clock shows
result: 10:40
